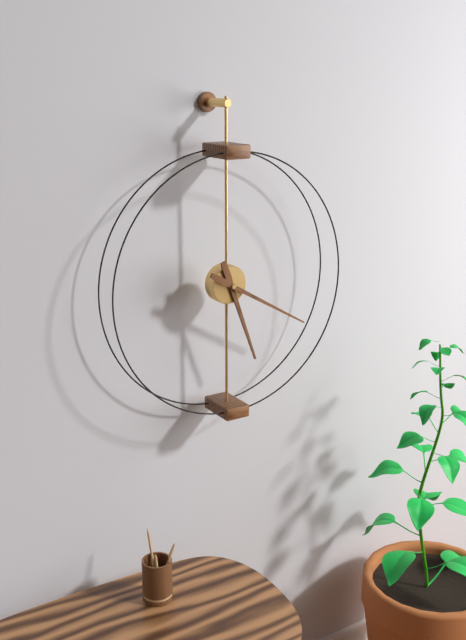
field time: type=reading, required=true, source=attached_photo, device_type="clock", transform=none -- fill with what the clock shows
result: 5:20
